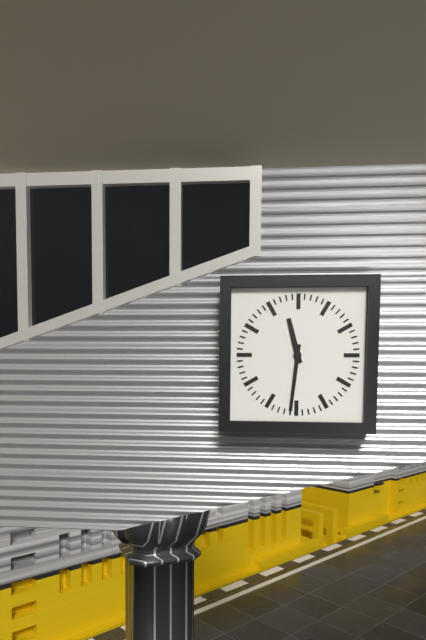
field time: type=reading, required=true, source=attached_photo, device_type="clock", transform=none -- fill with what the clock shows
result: 11:31
